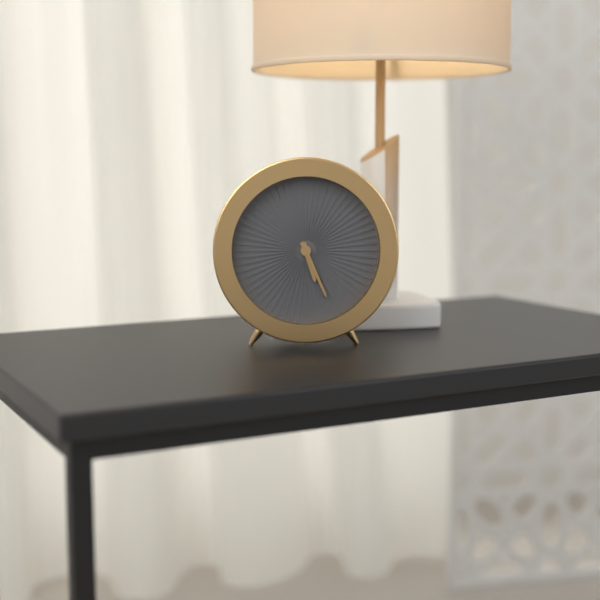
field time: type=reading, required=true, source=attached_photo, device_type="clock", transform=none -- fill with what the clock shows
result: 5:26
